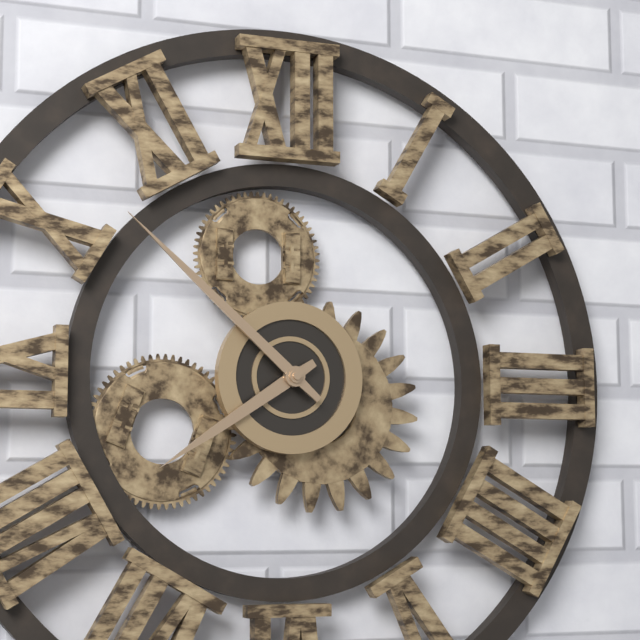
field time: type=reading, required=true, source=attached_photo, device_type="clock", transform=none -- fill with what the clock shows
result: 7:52
